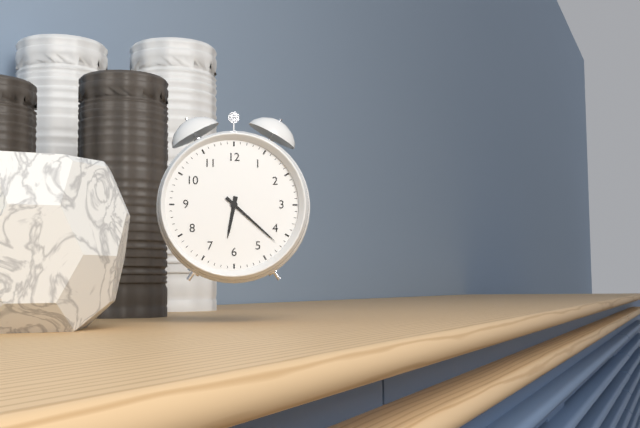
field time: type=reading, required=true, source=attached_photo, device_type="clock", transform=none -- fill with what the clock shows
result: 6:22
